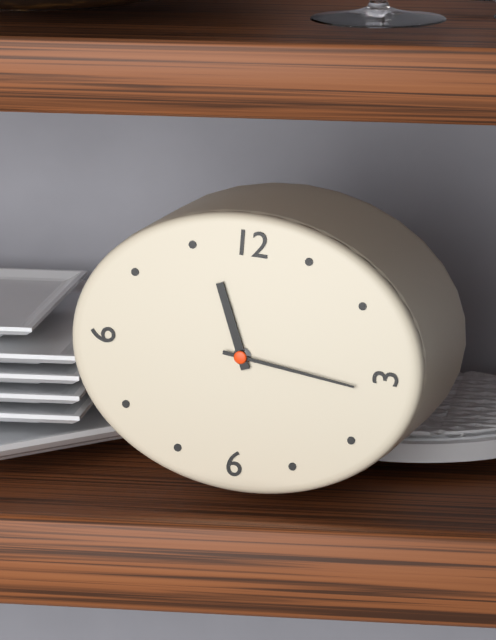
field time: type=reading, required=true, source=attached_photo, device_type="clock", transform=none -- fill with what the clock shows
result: 11:16
